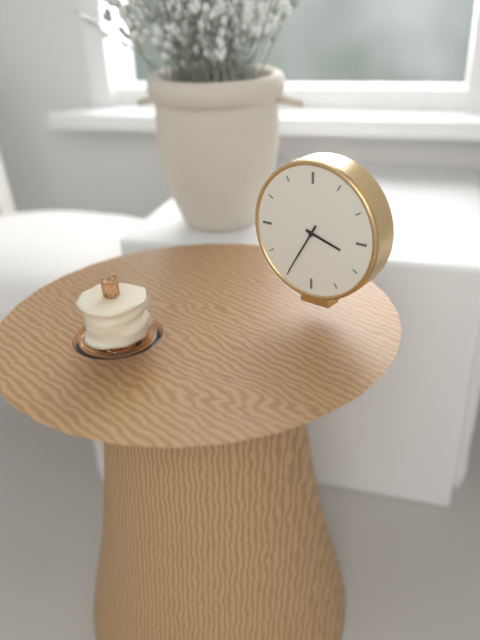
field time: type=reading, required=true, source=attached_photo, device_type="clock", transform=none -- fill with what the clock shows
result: 3:35
